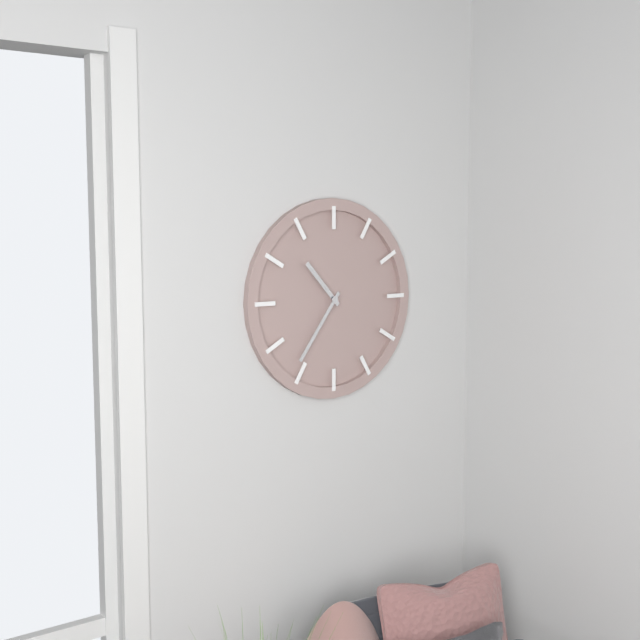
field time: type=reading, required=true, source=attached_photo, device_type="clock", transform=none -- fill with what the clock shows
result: 10:36
